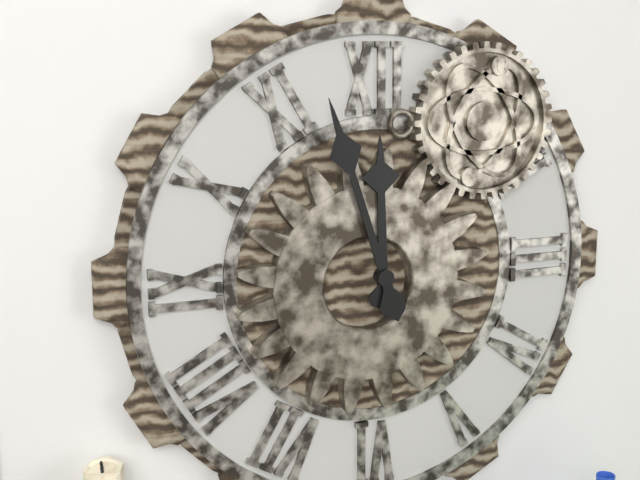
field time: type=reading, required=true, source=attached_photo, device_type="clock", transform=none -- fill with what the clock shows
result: 11:57
